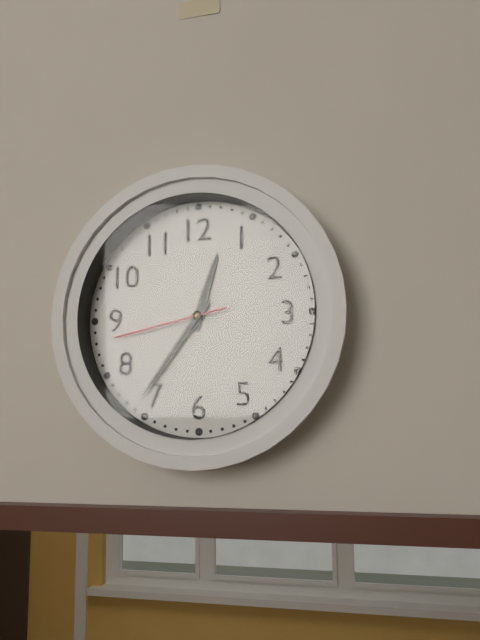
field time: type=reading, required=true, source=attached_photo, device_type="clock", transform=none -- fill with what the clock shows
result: 12:36:43
